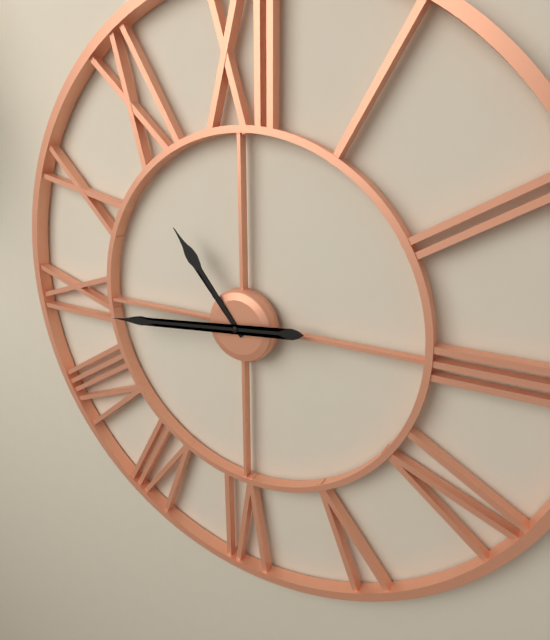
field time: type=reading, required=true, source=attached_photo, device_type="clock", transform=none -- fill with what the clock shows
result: 10:44
